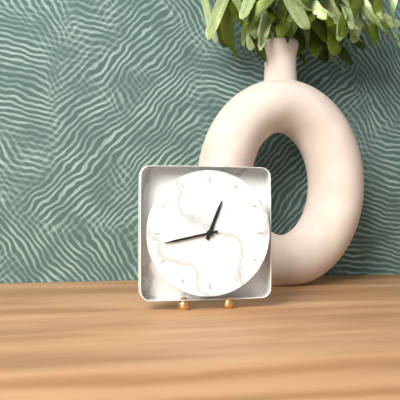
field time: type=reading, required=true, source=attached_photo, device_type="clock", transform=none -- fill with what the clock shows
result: 12:43
